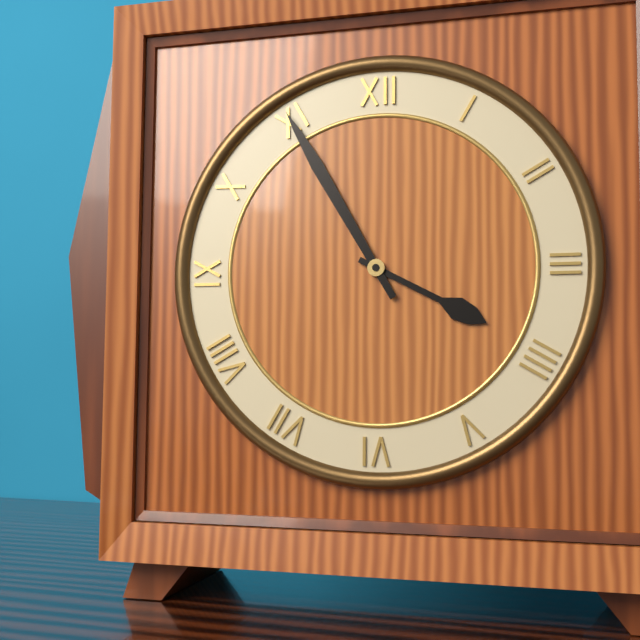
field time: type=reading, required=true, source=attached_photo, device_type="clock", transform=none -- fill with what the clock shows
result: 3:55
